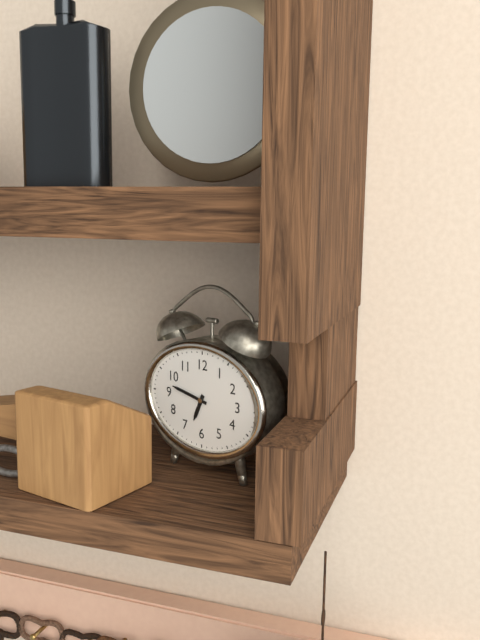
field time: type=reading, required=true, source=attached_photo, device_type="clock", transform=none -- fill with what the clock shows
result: 6:47
